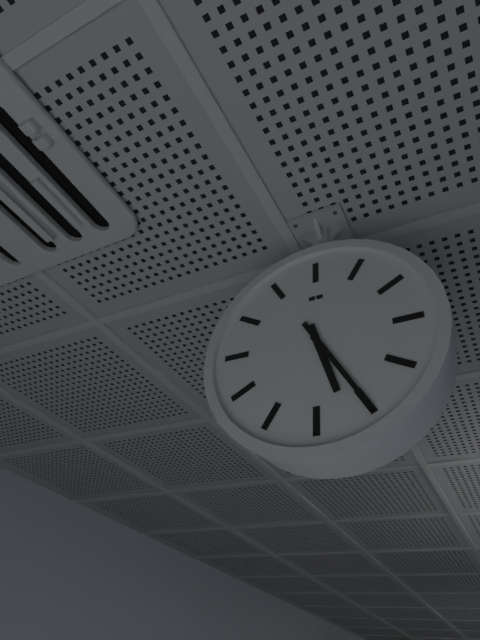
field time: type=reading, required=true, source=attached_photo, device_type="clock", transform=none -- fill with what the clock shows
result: 5:25
